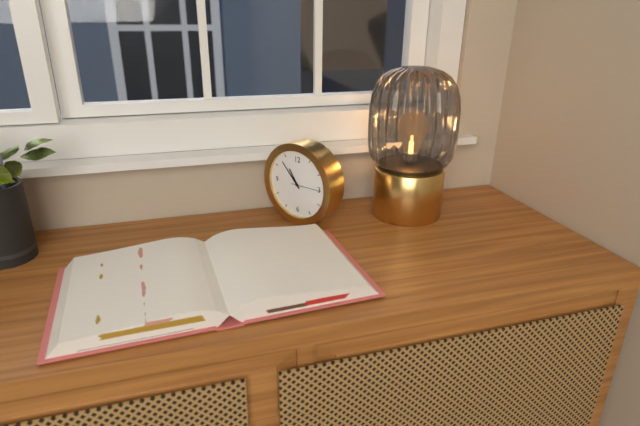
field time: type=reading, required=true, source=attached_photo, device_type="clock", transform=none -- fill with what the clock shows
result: 10:53
